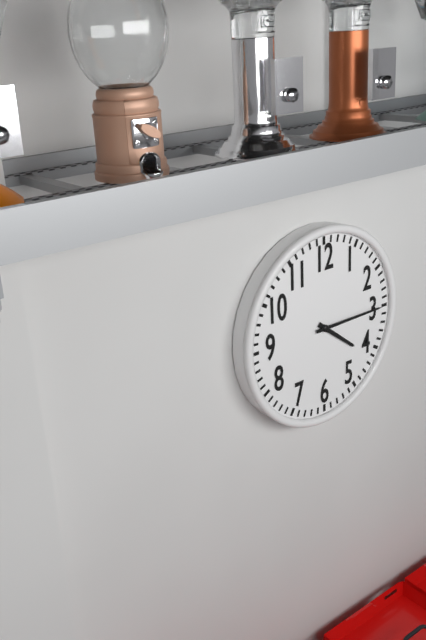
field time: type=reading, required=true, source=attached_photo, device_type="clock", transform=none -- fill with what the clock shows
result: 4:15
